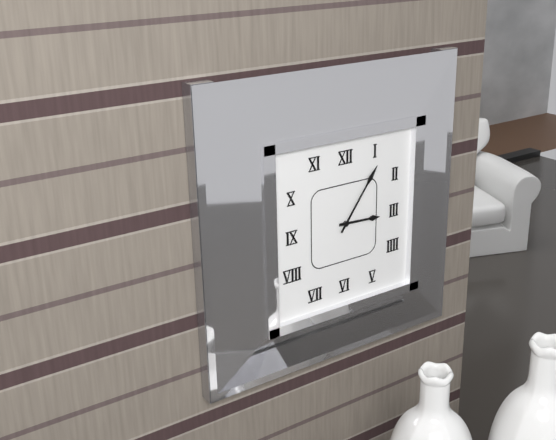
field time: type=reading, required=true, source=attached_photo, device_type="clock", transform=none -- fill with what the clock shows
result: 3:06
